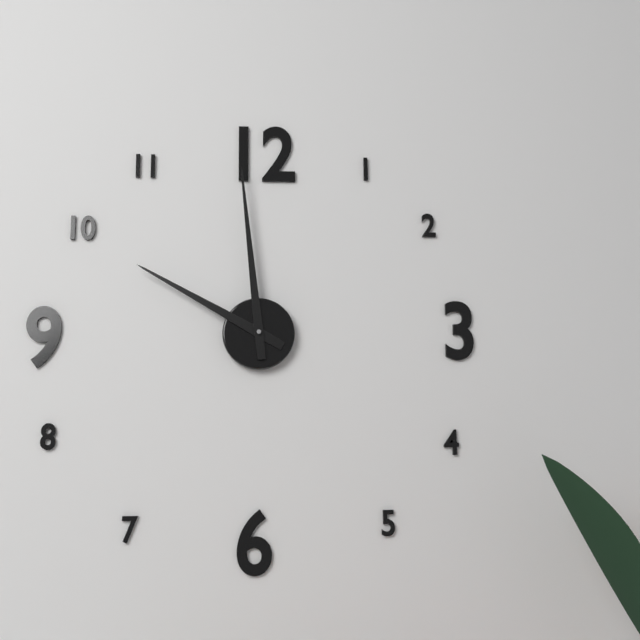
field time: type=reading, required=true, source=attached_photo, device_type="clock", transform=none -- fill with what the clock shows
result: 9:59
